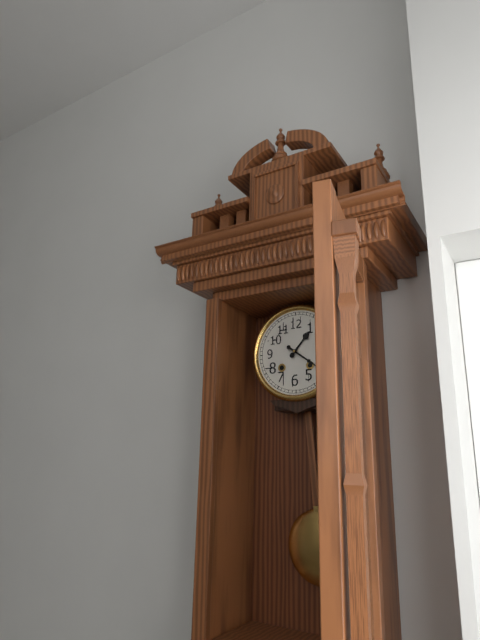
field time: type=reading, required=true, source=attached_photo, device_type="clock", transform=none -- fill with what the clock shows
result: 1:21
